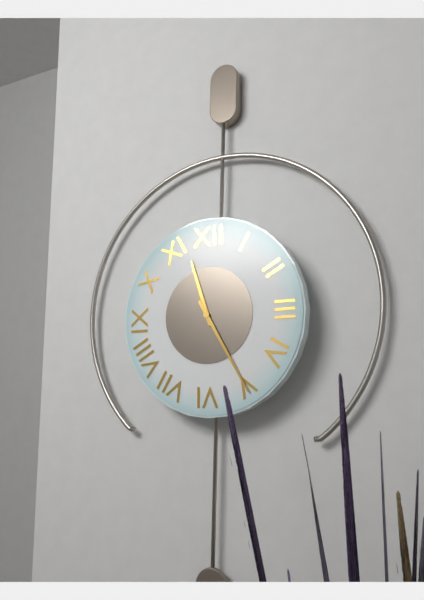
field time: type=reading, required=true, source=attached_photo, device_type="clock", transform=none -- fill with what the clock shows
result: 11:25
